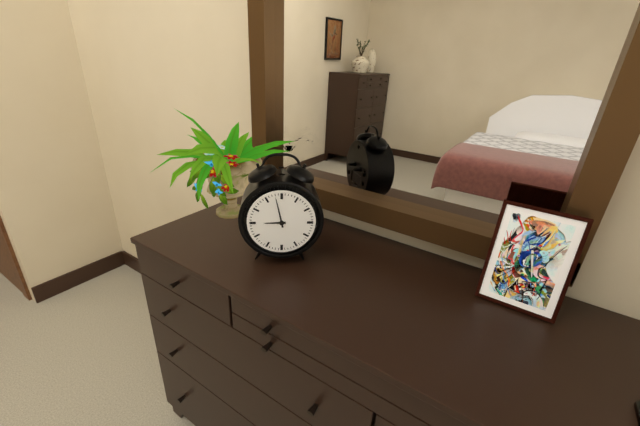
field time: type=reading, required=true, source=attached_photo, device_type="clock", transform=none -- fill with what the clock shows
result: 8:58
